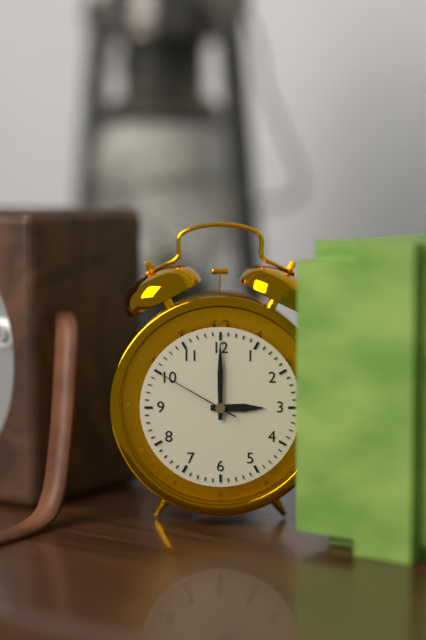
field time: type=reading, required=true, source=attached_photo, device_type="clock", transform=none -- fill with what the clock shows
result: 3:00:50
